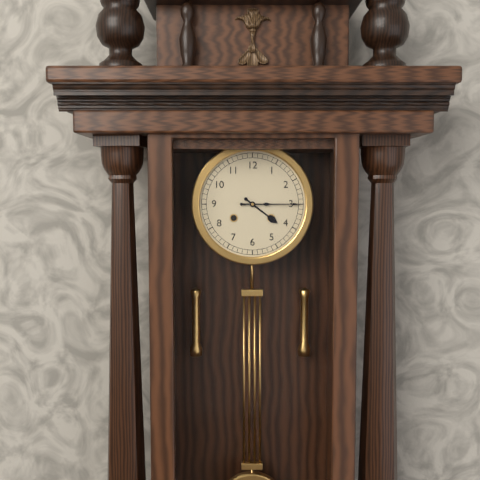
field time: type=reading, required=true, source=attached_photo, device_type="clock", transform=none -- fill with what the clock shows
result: 4:15
